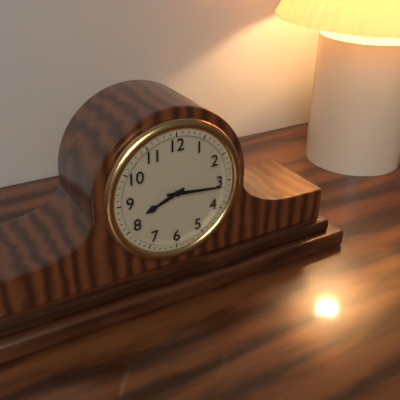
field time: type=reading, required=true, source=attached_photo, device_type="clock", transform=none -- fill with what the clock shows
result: 8:16
